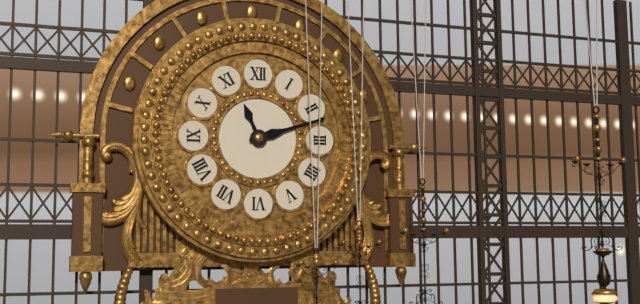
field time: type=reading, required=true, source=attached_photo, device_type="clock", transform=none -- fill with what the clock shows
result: 11:12
